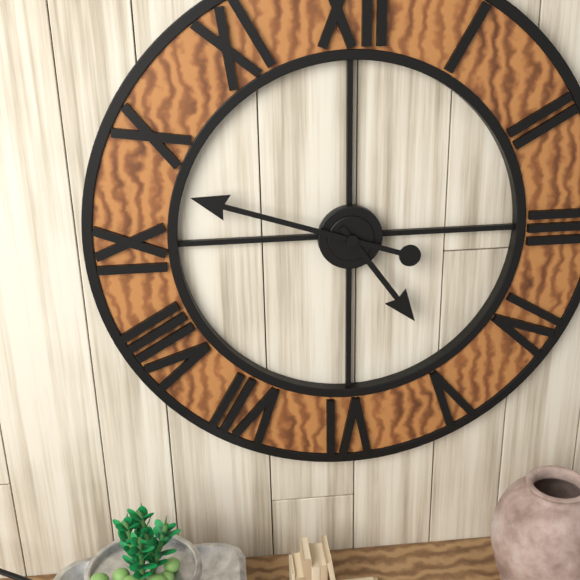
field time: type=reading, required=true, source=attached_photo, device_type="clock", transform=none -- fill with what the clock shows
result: 4:48
